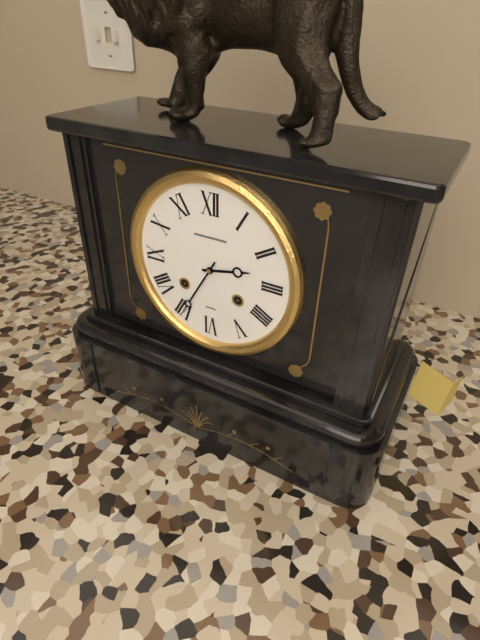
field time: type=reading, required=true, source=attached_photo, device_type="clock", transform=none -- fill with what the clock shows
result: 2:35
